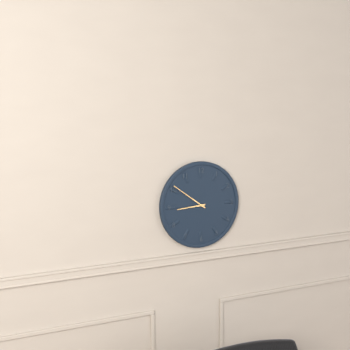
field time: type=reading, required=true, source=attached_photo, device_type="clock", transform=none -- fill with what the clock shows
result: 8:51
